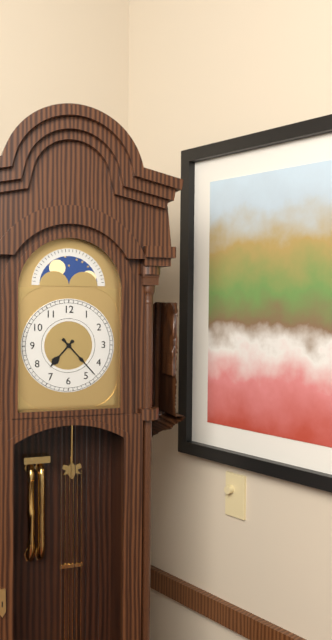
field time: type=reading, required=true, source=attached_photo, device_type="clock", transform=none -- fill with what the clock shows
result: 7:23
